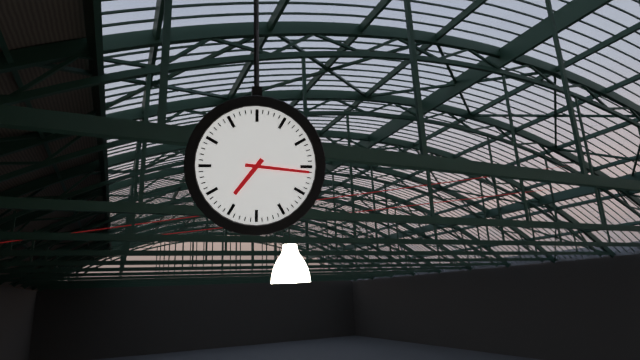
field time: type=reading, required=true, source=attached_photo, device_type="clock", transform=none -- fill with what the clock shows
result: 7:16
